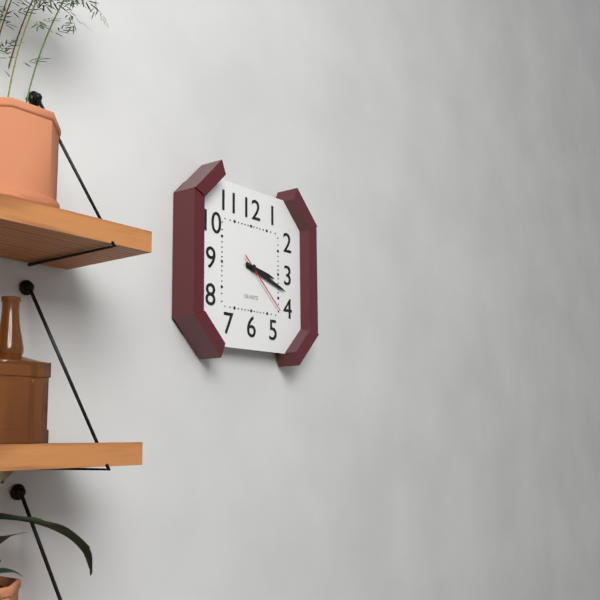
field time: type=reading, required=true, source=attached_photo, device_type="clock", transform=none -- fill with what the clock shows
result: 3:18:22
